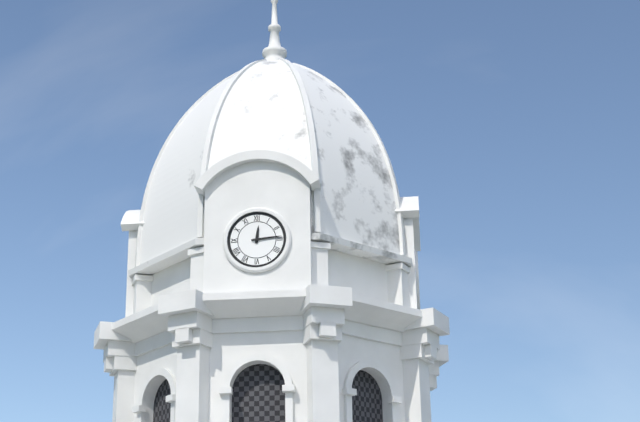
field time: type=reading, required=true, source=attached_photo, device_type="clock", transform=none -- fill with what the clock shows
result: 12:14
